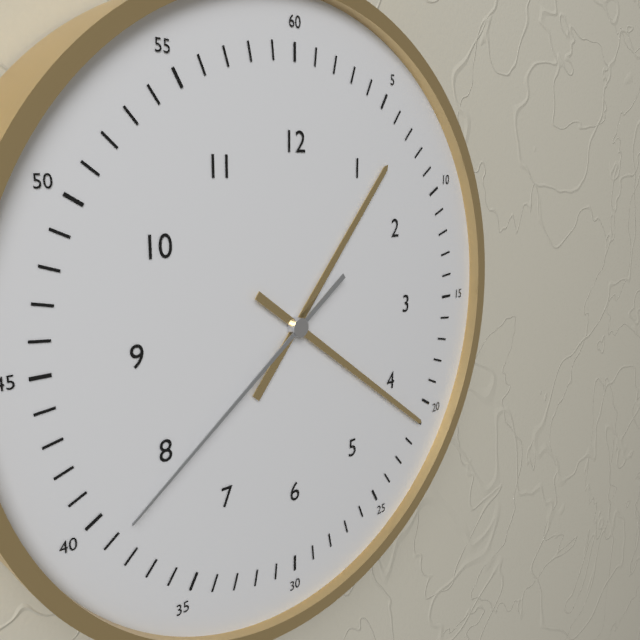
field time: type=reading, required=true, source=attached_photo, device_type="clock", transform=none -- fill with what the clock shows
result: 1:21:39
